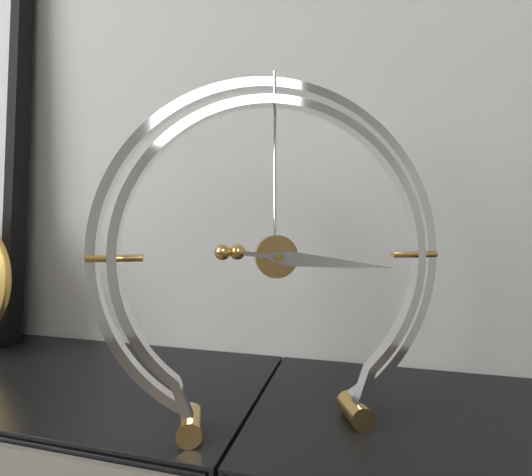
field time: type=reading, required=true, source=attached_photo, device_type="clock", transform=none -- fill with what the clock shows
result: 3:16
